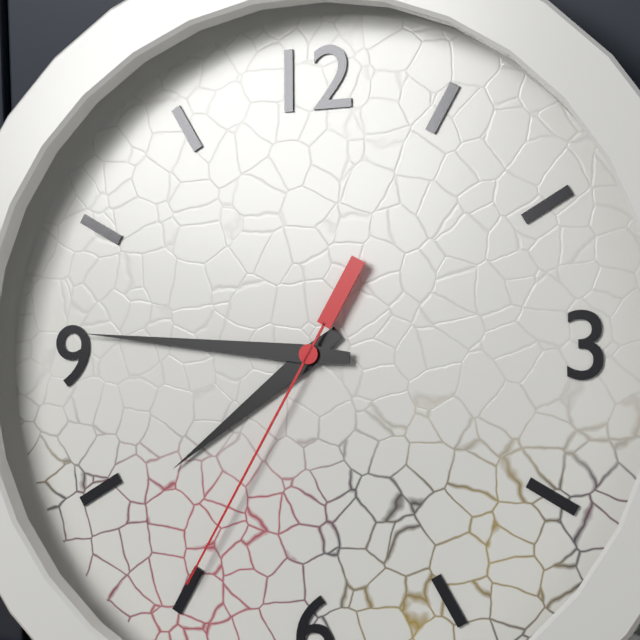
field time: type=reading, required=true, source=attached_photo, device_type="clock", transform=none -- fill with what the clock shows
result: 7:46:35
